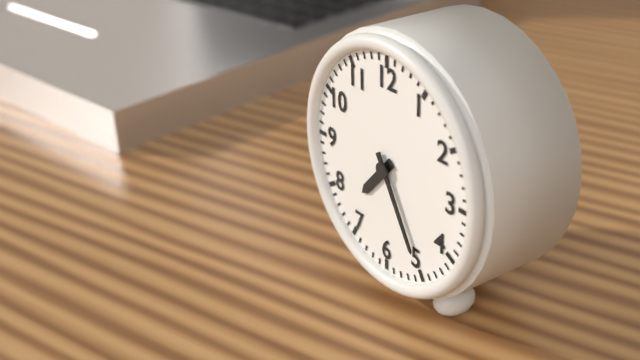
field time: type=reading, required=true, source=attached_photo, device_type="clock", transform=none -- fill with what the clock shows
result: 7:25
